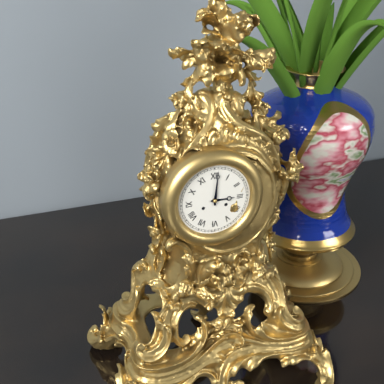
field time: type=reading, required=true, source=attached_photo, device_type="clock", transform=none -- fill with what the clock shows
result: 3:01
